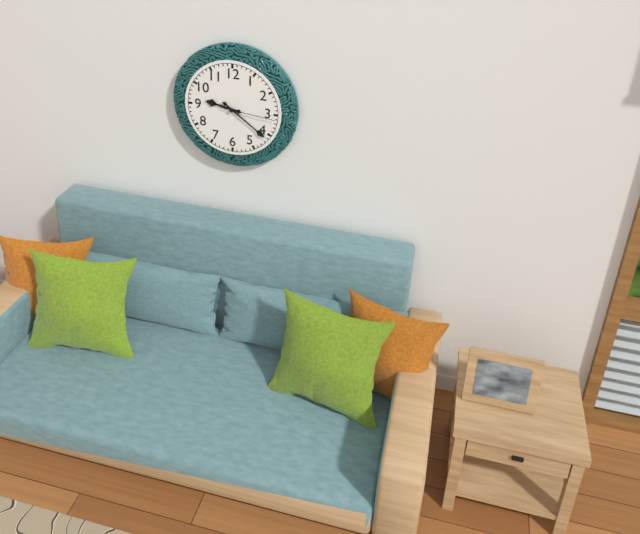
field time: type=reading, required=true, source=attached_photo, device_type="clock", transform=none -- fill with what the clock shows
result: 9:21:16
